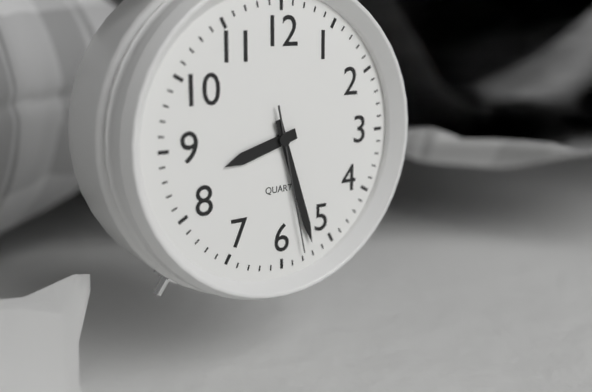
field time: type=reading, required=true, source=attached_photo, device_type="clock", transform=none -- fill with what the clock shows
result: 8:27:28
